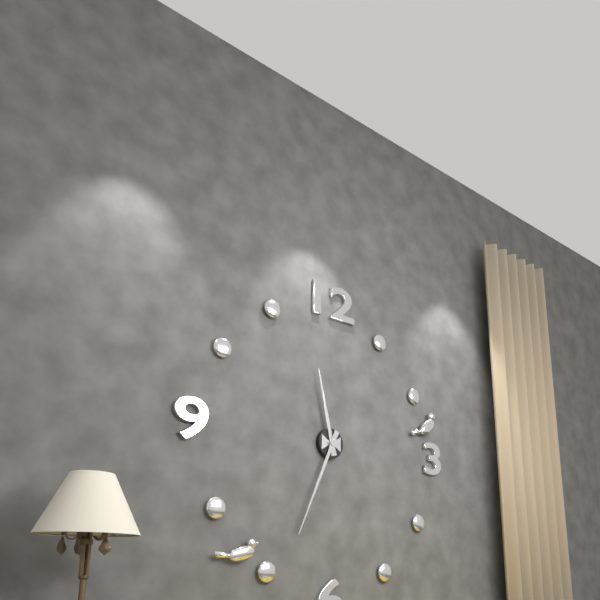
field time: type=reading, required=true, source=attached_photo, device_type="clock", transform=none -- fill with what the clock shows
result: 11:34
